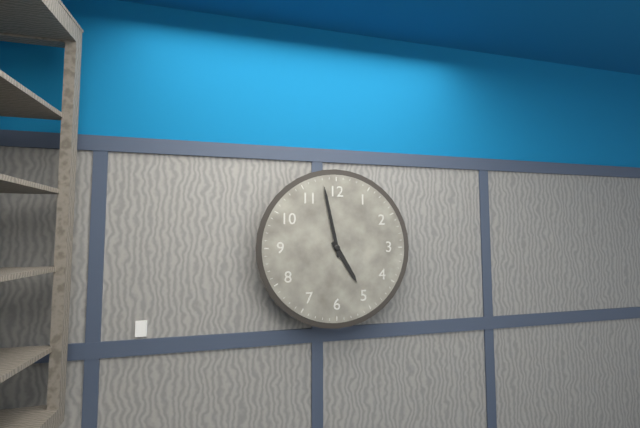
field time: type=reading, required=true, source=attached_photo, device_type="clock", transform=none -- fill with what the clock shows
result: 4:58
